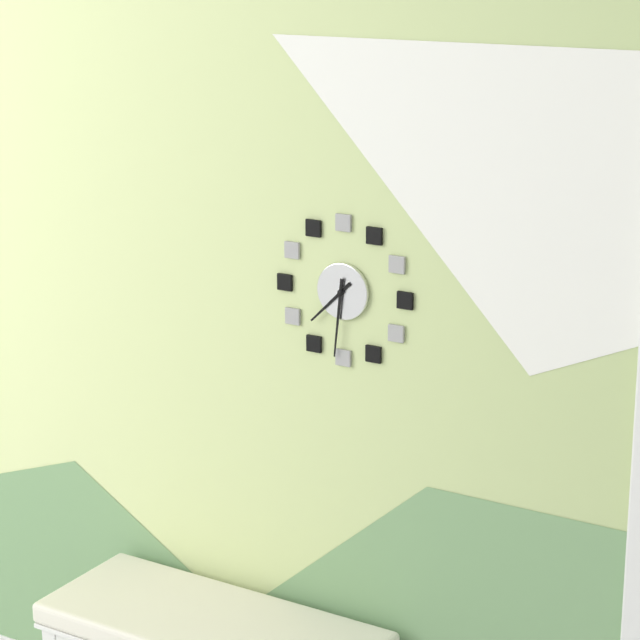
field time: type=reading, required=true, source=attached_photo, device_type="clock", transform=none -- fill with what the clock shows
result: 7:31
